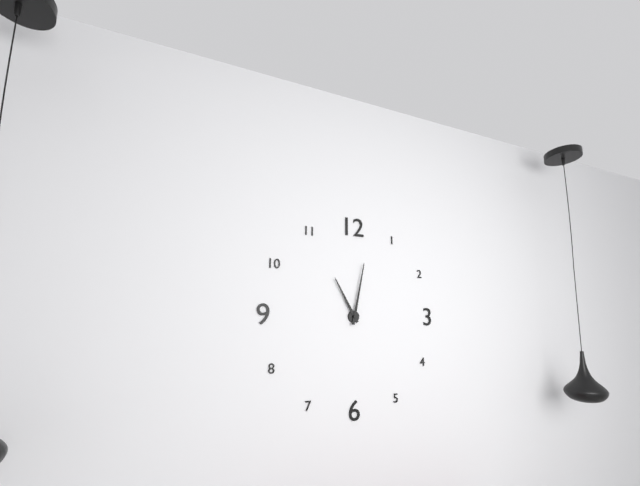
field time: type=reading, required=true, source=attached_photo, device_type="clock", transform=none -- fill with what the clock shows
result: 11:02
